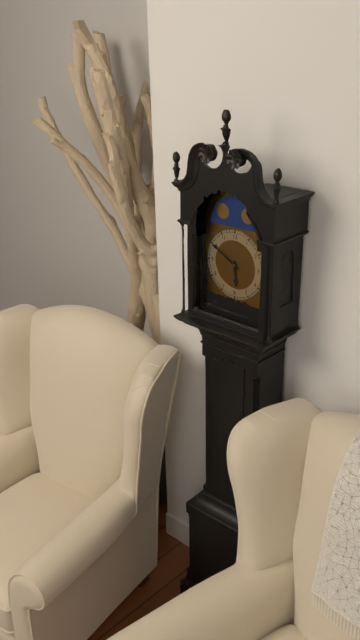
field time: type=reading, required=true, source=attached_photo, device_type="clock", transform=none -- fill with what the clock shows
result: 5:50
